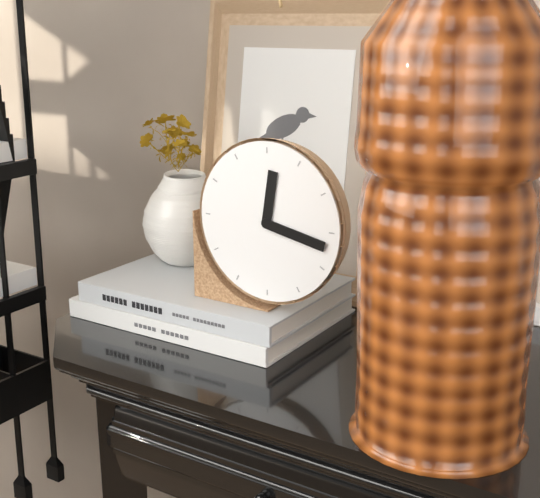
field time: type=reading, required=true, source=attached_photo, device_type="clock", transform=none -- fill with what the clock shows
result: 12:17
